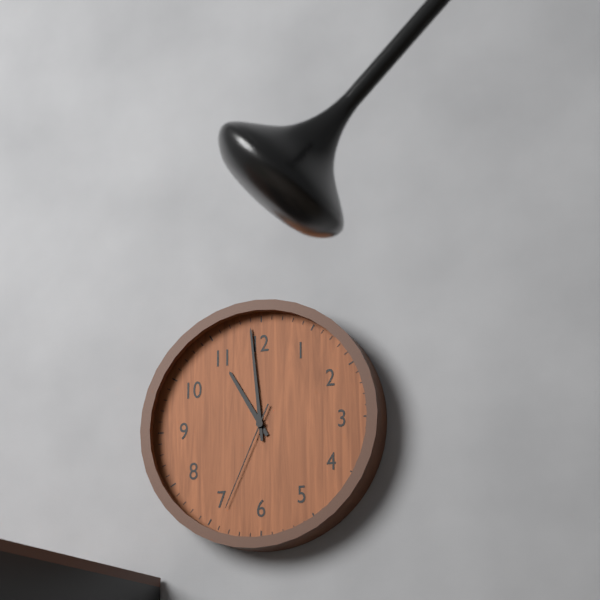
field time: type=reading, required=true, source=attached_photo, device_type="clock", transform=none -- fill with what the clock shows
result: 10:59:34
